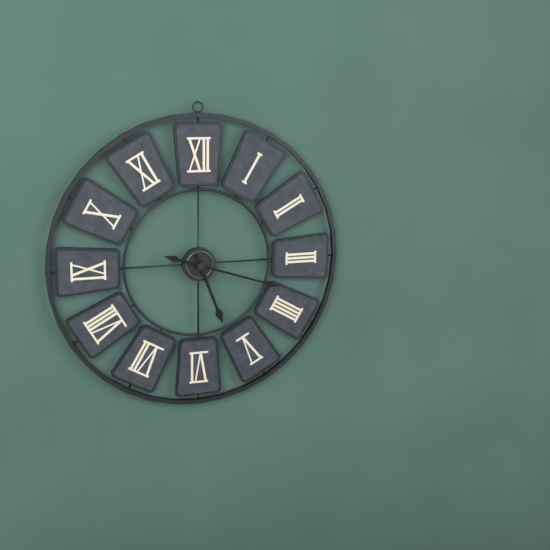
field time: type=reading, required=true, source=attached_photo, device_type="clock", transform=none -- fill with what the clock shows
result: 5:18
